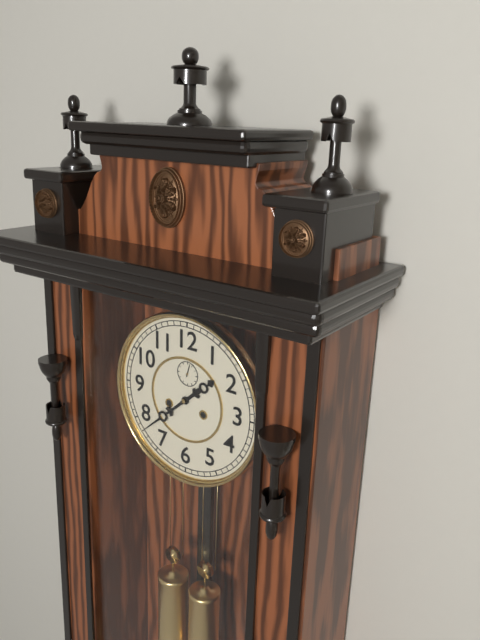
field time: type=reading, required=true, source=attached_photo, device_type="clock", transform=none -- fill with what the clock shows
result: 1:38
